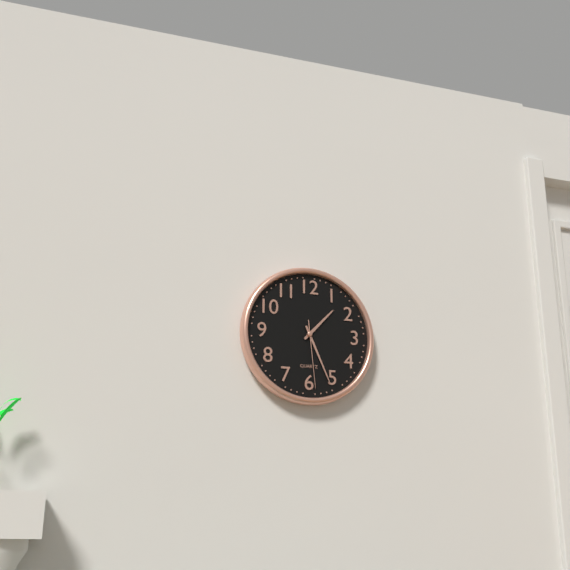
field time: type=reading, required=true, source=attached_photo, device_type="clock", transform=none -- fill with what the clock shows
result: 1:26:29
